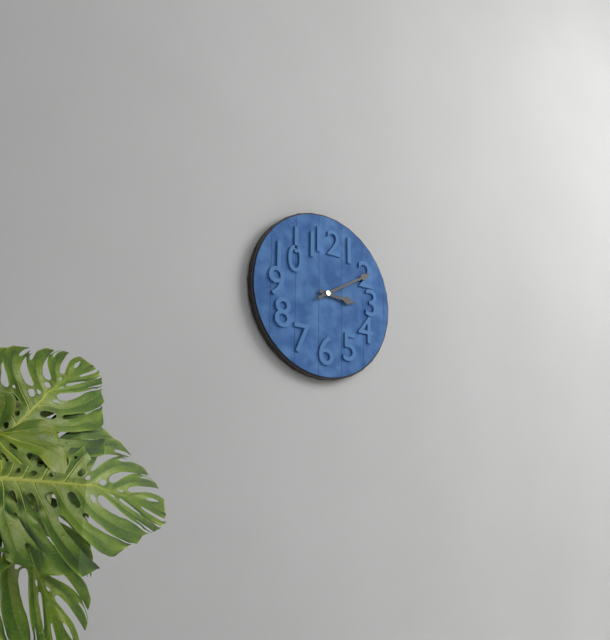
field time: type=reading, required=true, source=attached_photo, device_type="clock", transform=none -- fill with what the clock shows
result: 3:10
